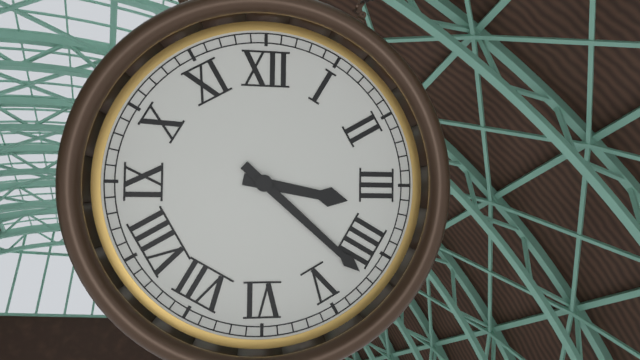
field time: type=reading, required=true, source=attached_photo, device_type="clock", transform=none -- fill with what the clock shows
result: 3:22
